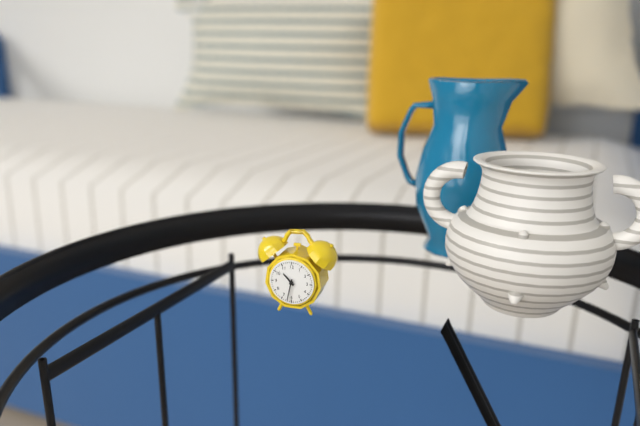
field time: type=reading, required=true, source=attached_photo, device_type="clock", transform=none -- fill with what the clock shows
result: 10:32
